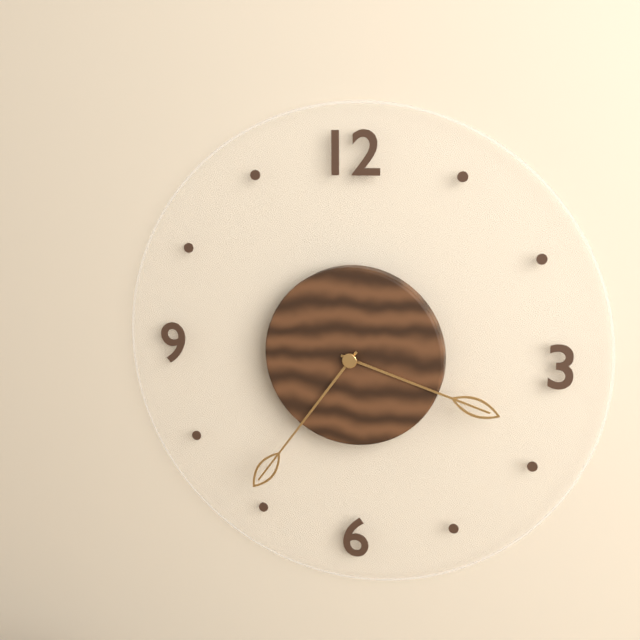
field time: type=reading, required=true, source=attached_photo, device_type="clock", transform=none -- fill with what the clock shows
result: 3:36
